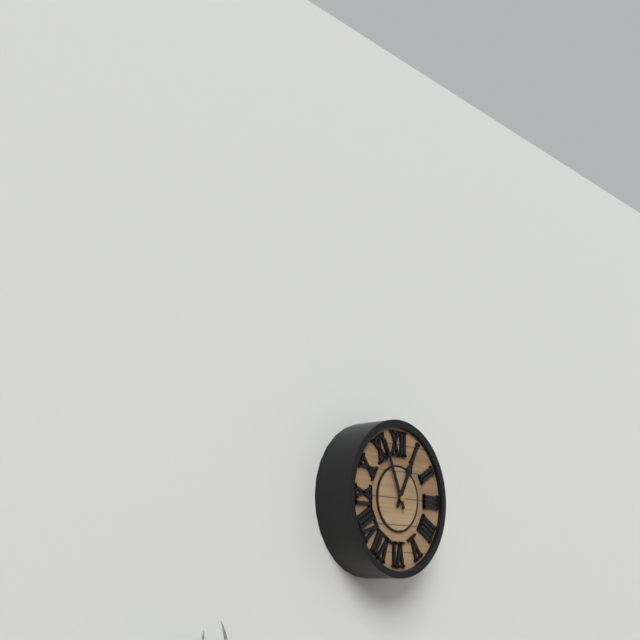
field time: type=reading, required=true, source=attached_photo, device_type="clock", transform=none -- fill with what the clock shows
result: 12:56
